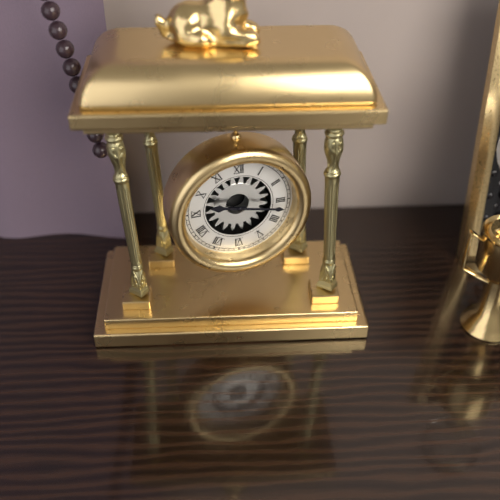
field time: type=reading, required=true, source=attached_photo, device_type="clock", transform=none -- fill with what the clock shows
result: 9:17
